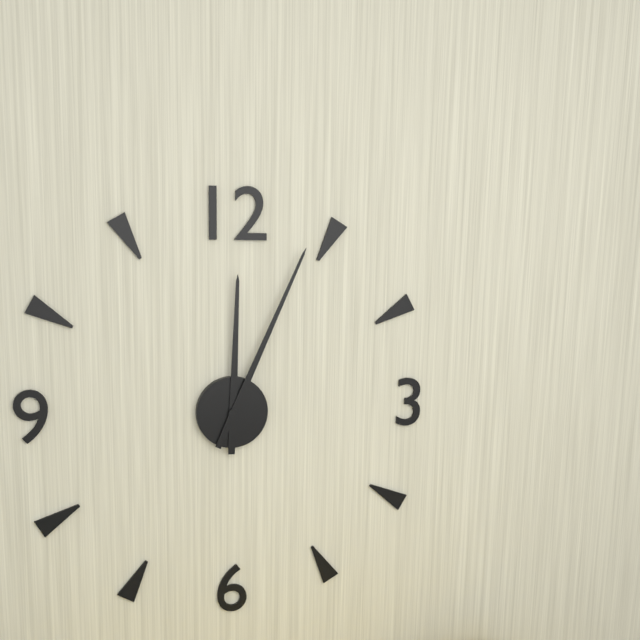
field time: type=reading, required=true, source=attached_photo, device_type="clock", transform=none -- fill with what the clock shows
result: 12:04
